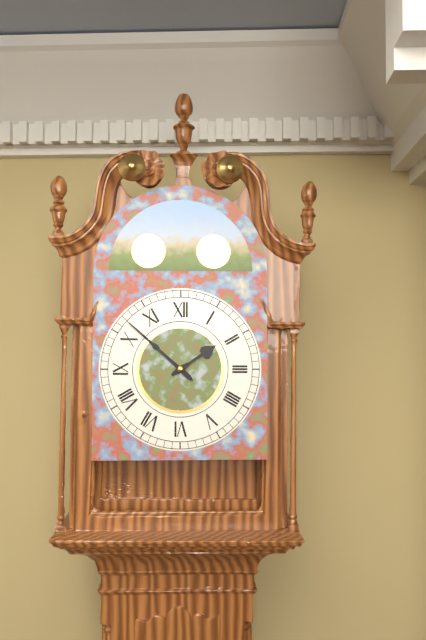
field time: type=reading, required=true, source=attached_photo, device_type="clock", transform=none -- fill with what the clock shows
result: 1:52
